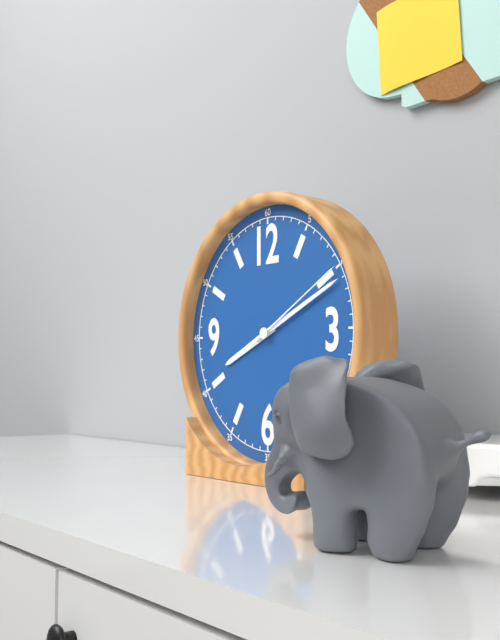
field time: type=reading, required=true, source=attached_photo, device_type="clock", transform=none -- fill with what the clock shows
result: 8:11:10
